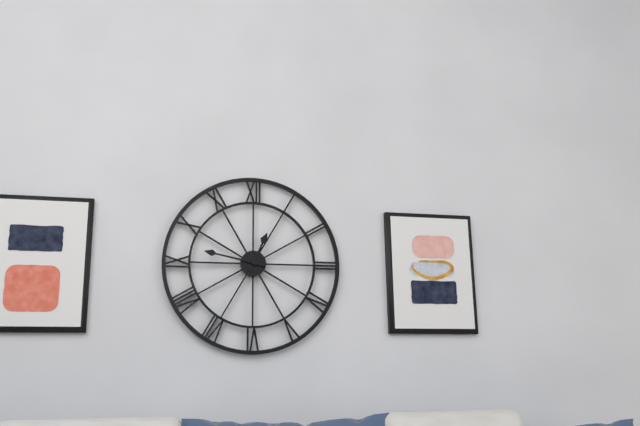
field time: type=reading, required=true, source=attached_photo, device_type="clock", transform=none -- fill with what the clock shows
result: 12:47
